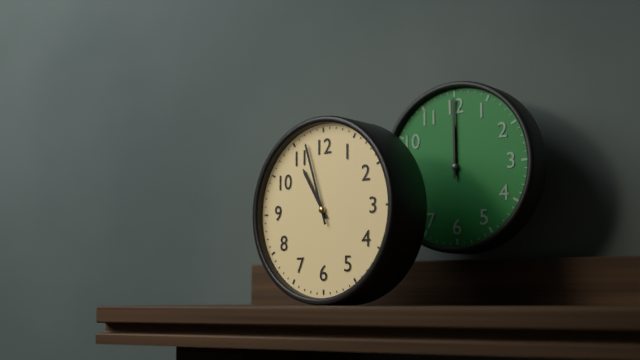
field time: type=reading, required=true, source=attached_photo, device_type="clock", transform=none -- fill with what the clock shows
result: 10:57
